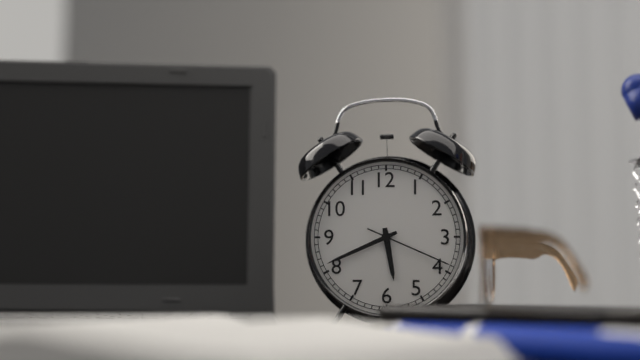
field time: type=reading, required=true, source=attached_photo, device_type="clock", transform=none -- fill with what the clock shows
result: 5:41:19
